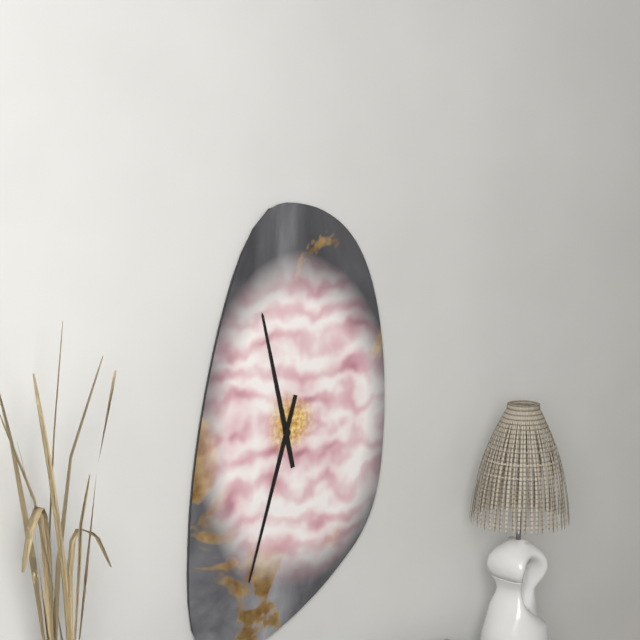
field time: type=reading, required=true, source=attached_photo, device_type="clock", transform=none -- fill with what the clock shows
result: 11:33
